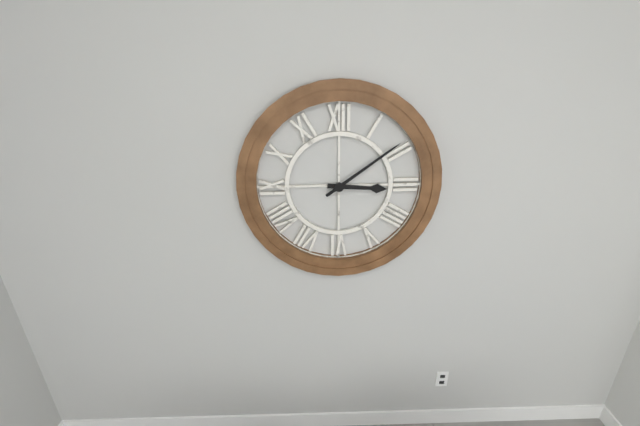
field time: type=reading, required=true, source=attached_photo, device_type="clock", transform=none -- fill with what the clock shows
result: 3:09
